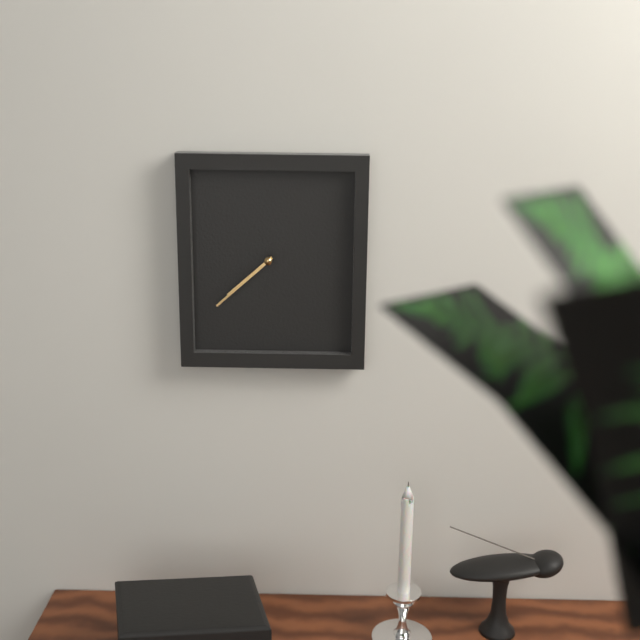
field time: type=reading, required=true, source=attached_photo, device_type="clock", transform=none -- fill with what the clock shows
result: 7:38
